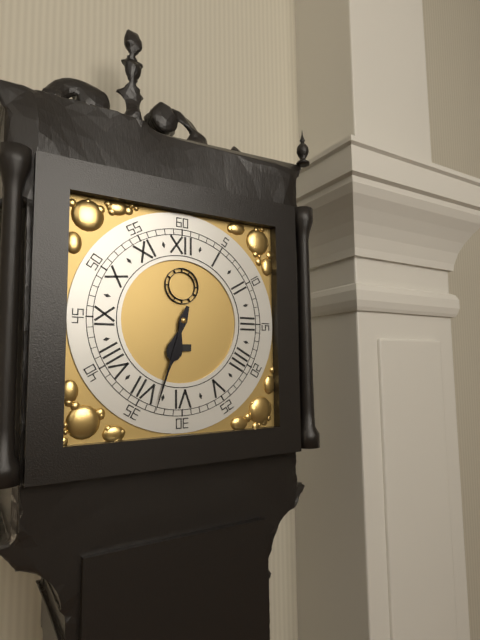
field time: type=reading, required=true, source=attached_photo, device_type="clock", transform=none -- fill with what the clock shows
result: 6:33
